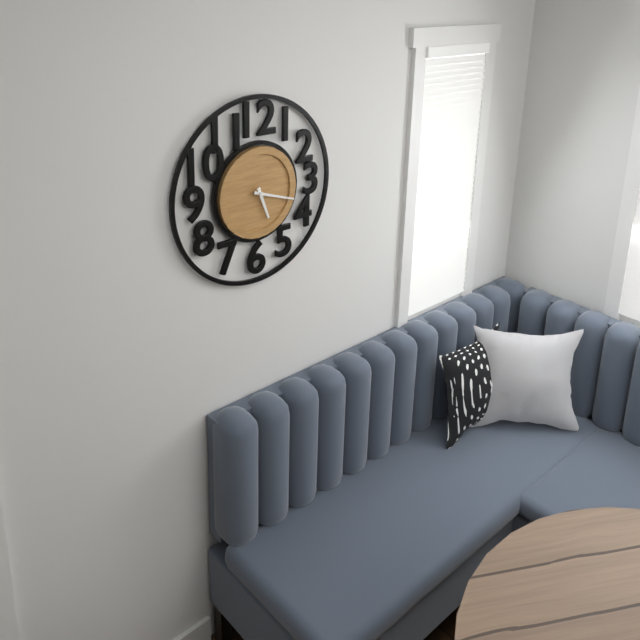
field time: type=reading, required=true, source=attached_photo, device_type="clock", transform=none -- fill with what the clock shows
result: 5:18
